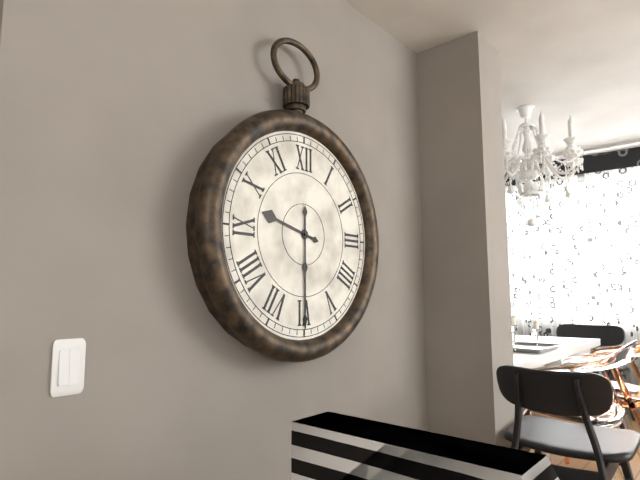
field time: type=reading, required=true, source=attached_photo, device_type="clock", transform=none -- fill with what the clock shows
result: 9:30
